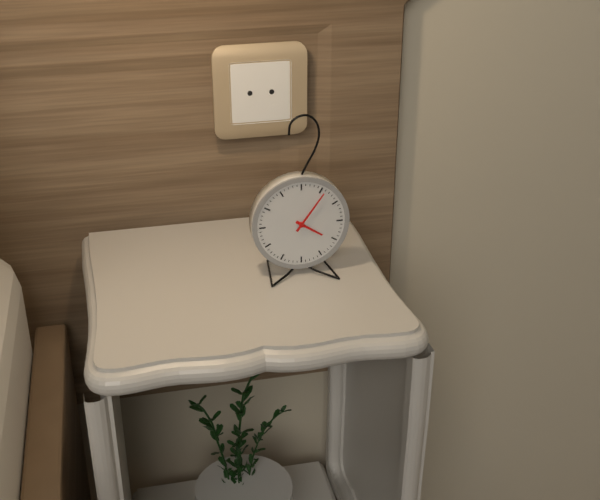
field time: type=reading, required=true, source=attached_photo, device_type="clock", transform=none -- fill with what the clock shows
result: 4:06
